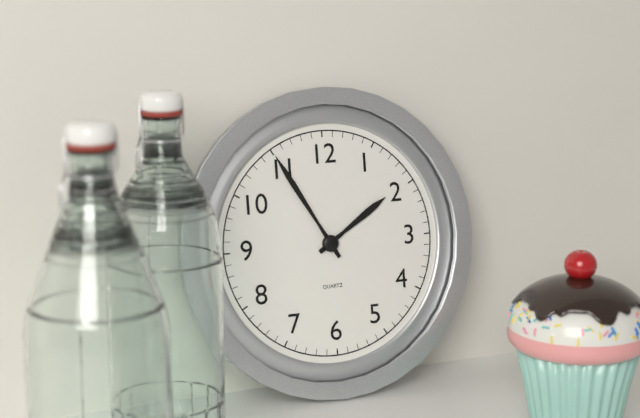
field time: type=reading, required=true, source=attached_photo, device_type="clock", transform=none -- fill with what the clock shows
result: 1:55
